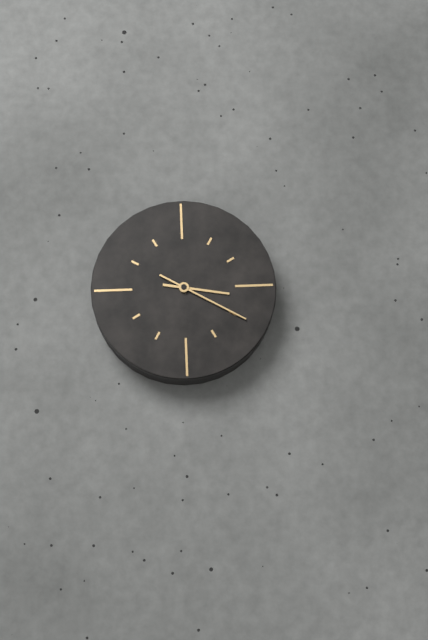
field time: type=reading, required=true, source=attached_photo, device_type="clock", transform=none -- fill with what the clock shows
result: 3:20
